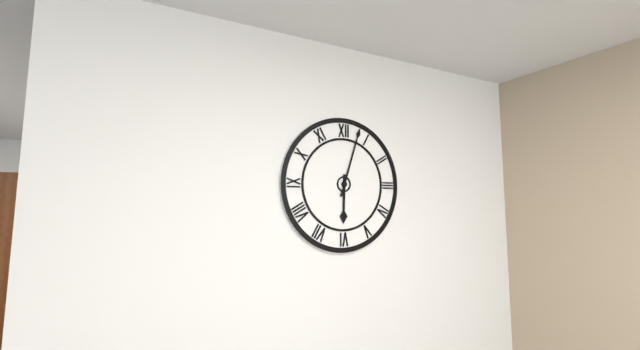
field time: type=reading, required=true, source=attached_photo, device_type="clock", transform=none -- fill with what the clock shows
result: 6:03
